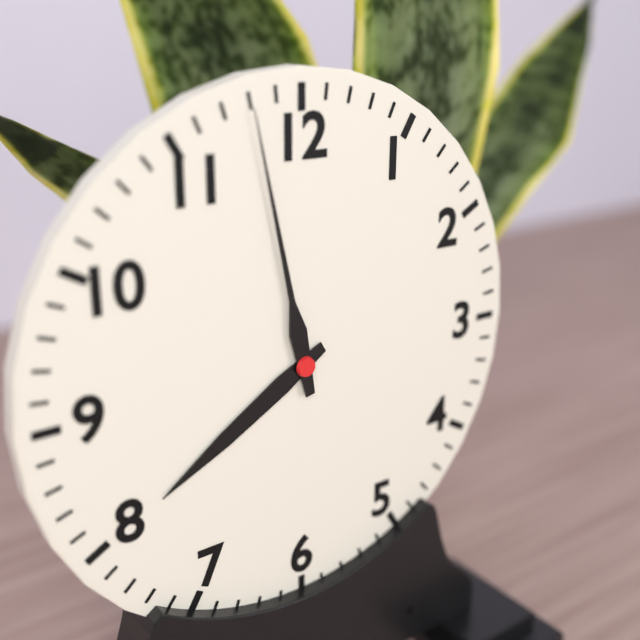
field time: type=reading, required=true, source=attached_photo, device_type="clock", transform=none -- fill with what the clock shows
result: 7:58
